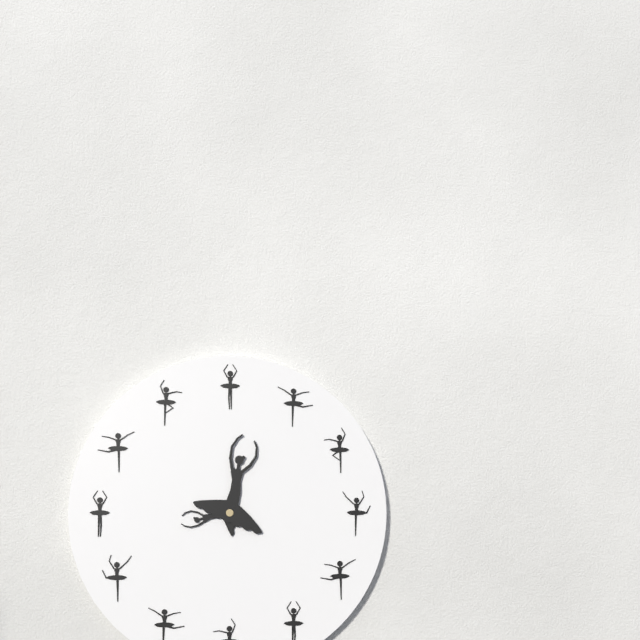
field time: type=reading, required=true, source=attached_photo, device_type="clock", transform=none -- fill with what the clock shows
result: 9:04
